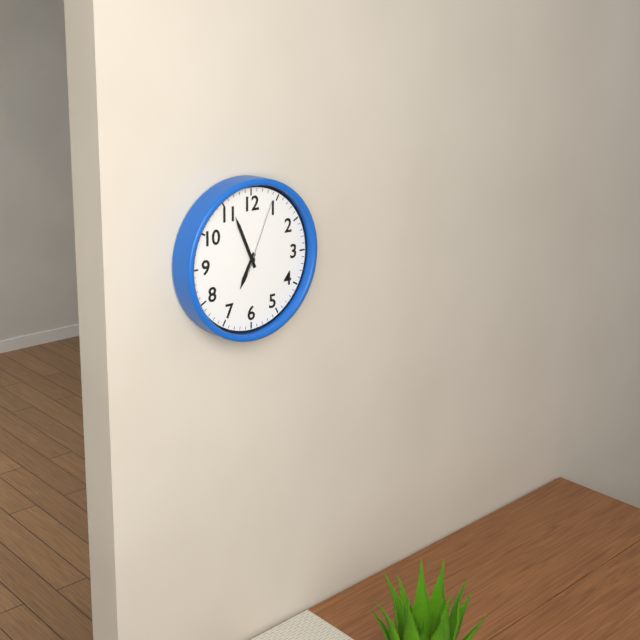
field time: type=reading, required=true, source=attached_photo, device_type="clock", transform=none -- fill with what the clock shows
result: 6:56:04
